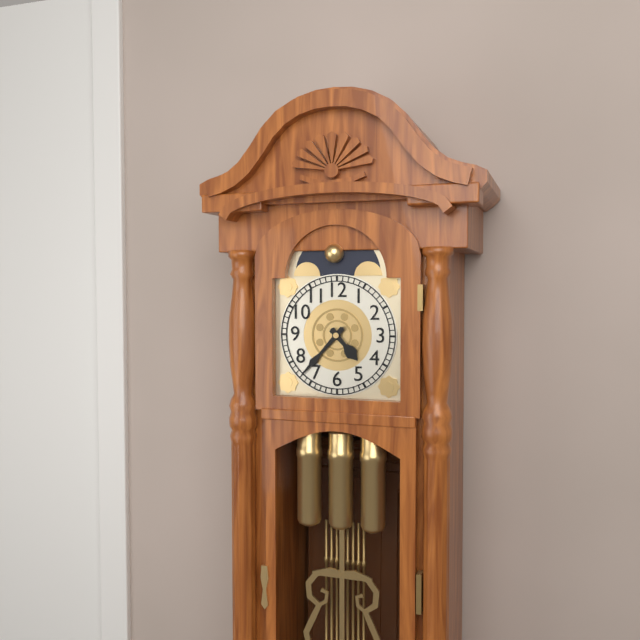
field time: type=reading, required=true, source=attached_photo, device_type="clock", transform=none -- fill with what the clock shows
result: 4:37
